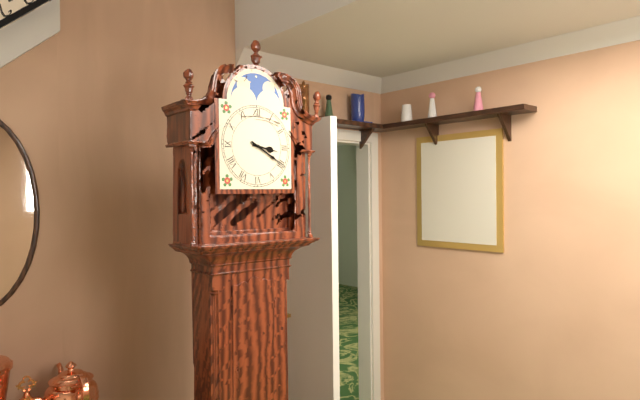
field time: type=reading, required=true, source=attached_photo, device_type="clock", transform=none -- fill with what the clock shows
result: 3:20
